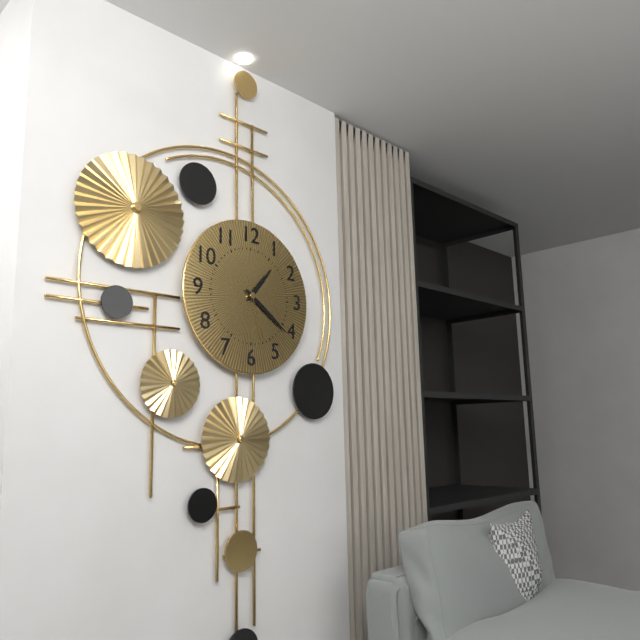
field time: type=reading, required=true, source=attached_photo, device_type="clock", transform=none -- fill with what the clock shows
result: 1:21:27
